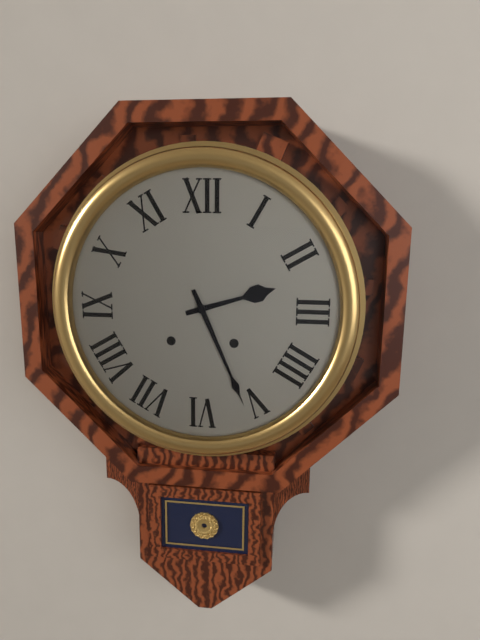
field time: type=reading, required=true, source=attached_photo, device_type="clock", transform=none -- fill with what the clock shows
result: 2:26
